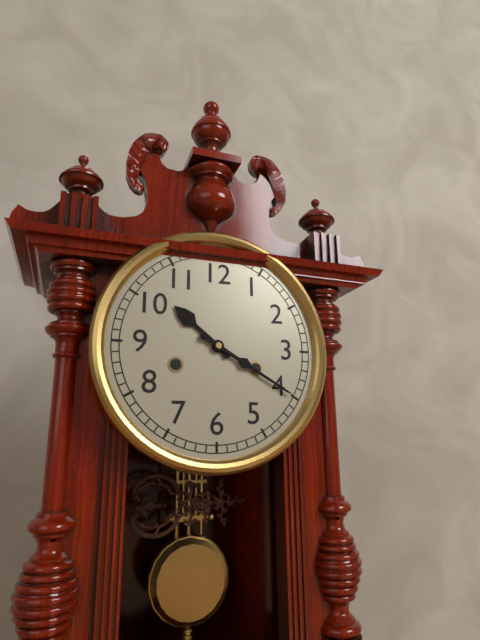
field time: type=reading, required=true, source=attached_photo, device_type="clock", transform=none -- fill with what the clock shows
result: 10:20
